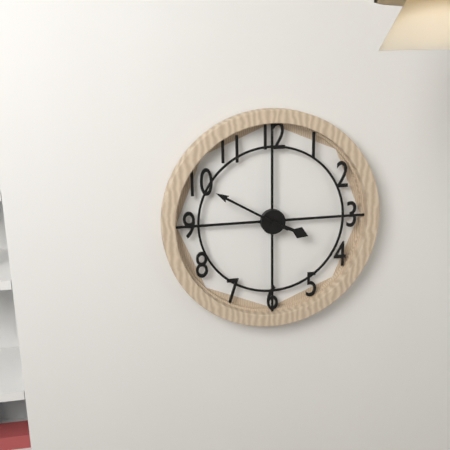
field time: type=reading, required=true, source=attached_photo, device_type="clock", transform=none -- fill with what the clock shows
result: 3:50
